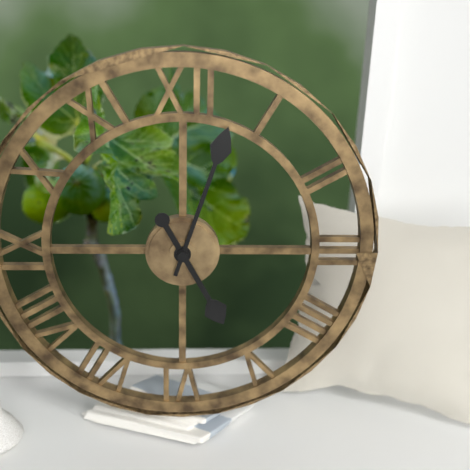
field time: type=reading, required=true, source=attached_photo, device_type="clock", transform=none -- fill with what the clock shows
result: 5:03
